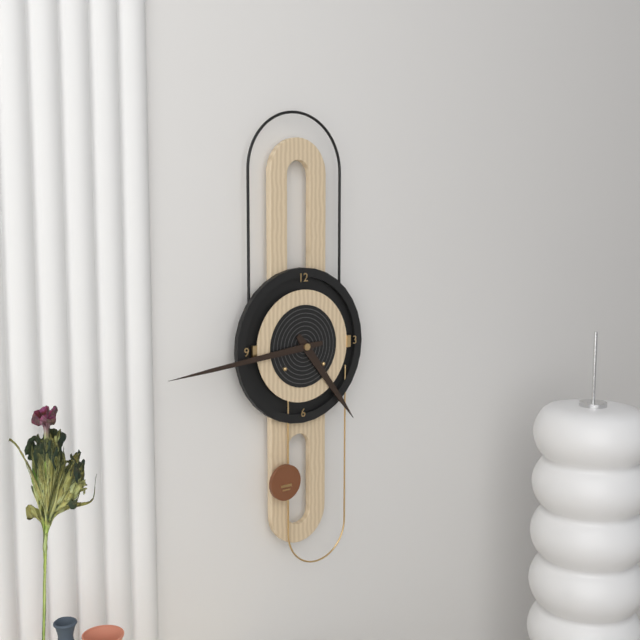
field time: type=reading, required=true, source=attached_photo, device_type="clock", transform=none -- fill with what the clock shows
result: 4:44
